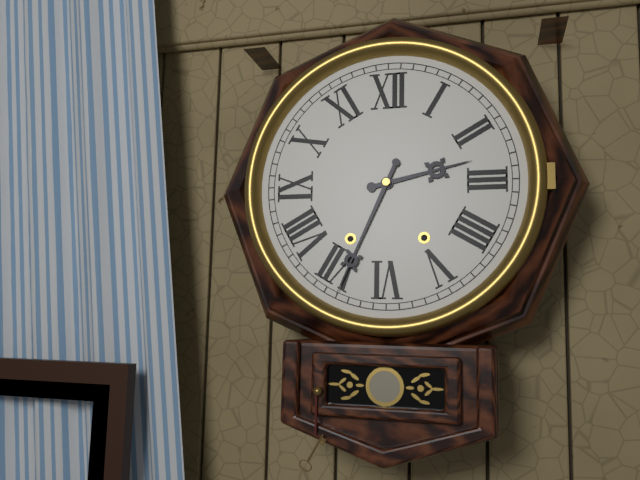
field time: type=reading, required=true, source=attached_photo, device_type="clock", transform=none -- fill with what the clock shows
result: 2:34
